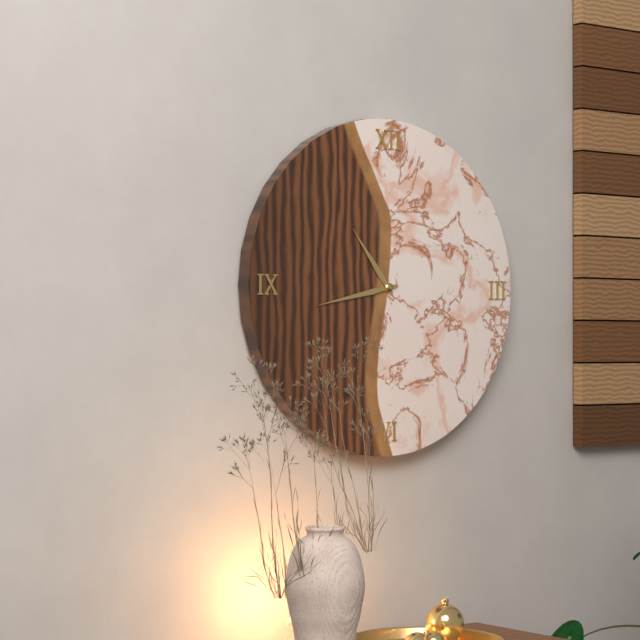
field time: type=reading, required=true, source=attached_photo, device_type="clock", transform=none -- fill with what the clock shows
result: 10:43
